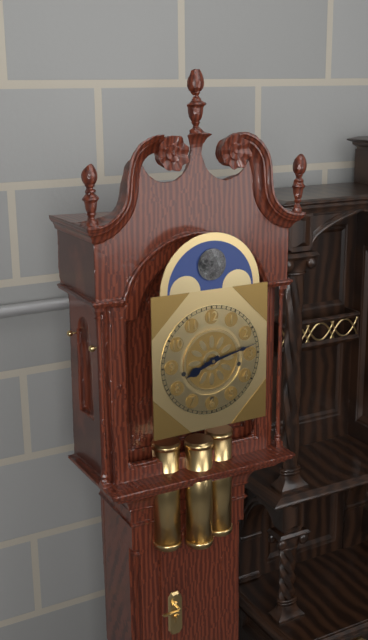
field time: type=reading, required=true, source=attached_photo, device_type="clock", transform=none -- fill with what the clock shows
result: 8:13
